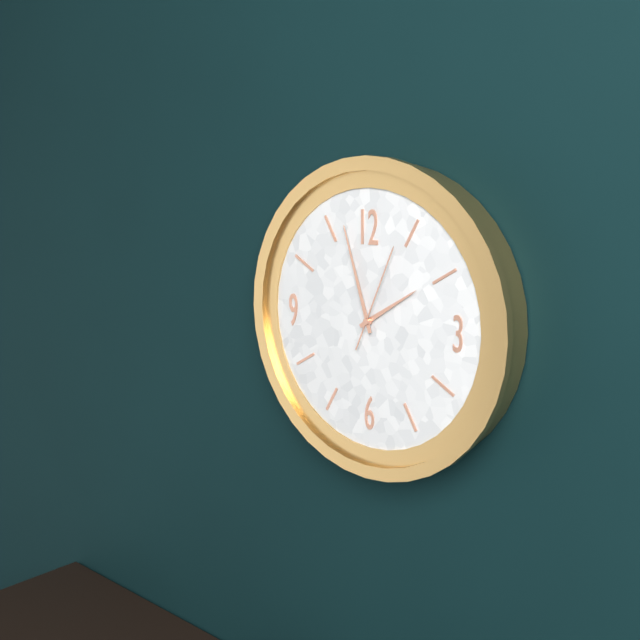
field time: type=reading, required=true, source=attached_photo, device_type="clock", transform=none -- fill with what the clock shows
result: 1:57:04
